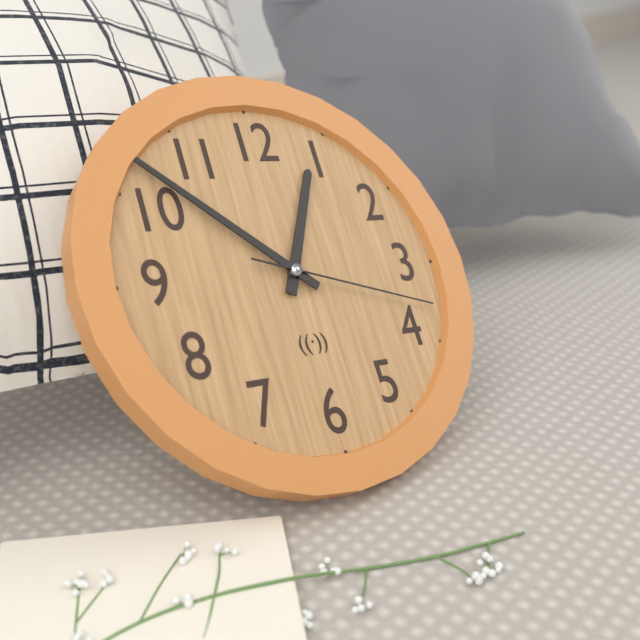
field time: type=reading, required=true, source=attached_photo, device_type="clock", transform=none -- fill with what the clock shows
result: 12:52:18
